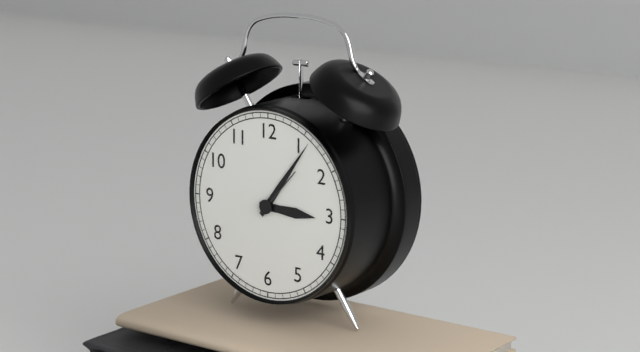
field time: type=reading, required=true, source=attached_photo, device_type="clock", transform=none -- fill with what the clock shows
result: 3:06:07
